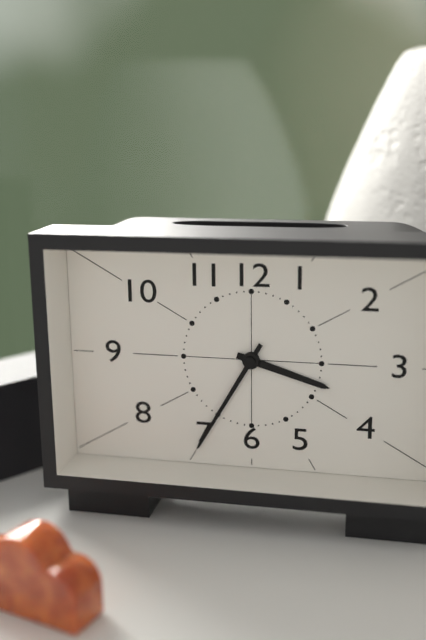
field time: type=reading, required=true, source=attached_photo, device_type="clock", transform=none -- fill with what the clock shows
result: 3:35
